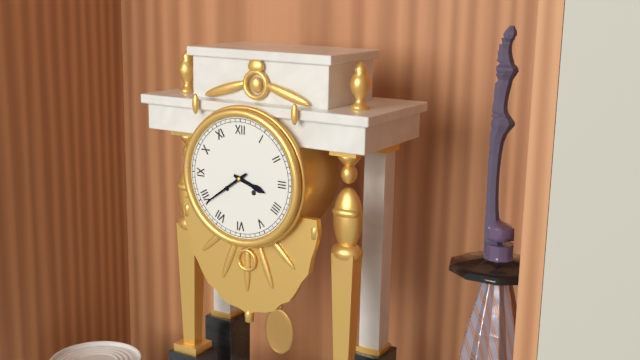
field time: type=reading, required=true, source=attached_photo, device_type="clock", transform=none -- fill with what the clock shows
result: 3:39
